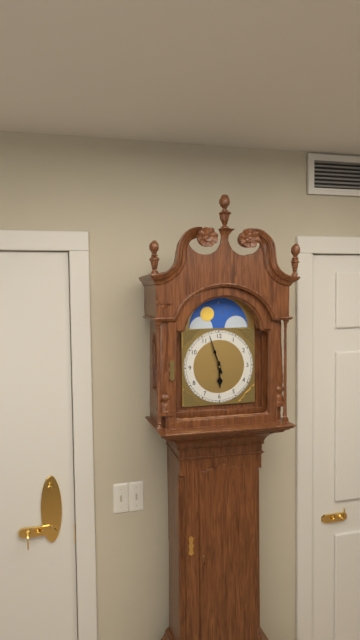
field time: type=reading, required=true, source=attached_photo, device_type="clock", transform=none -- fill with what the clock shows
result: 5:57
